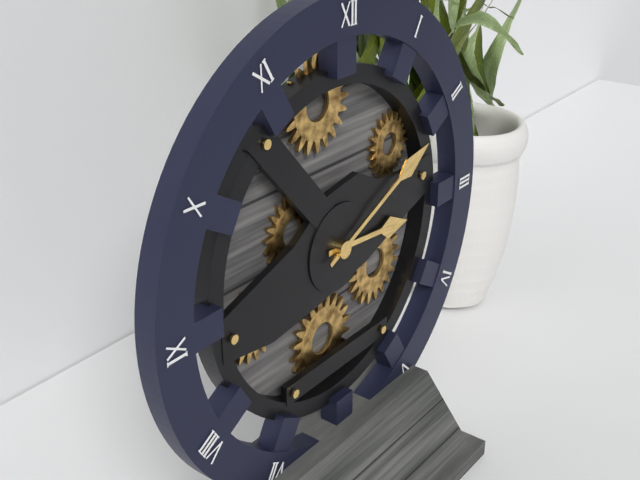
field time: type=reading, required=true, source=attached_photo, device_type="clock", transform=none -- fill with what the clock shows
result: 3:11
